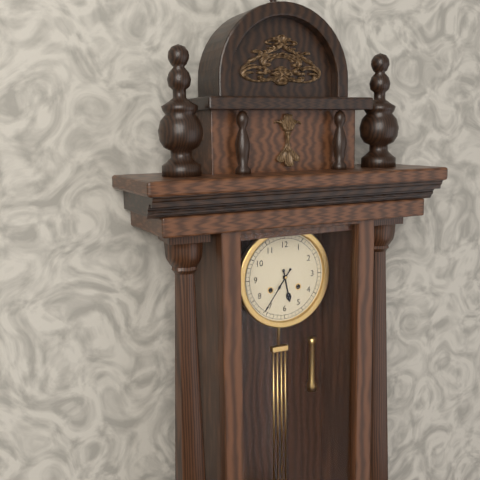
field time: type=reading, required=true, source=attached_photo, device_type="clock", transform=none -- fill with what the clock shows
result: 5:36
